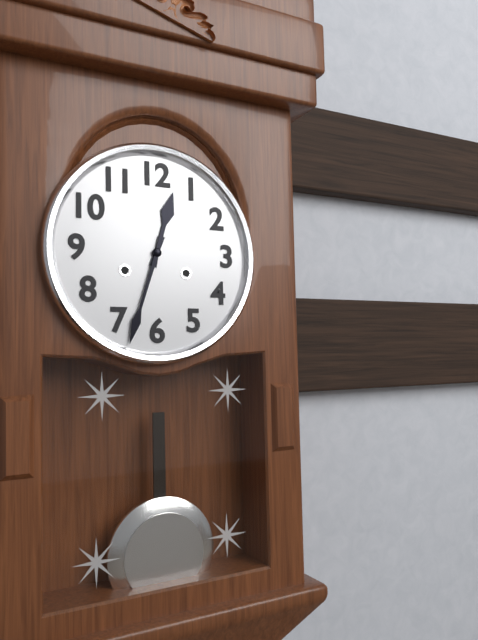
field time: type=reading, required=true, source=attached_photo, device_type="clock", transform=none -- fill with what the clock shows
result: 12:33
